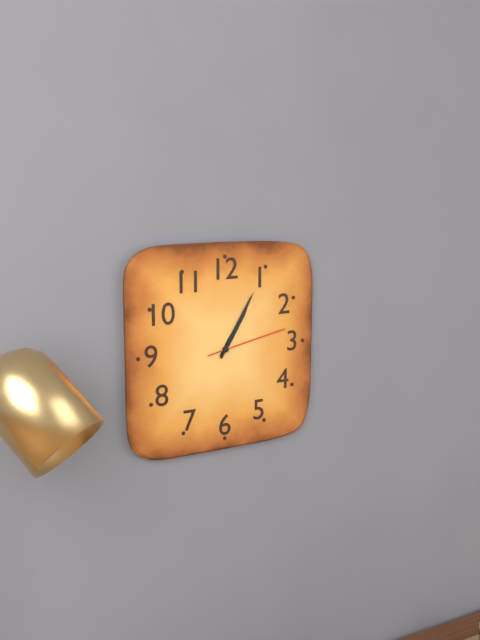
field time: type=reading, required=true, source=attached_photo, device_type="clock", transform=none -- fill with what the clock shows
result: 1:05:13
